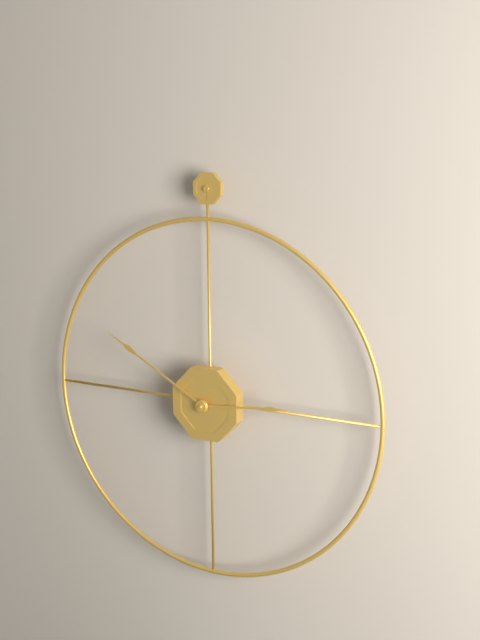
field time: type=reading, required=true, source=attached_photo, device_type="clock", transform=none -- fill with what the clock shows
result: 2:50
